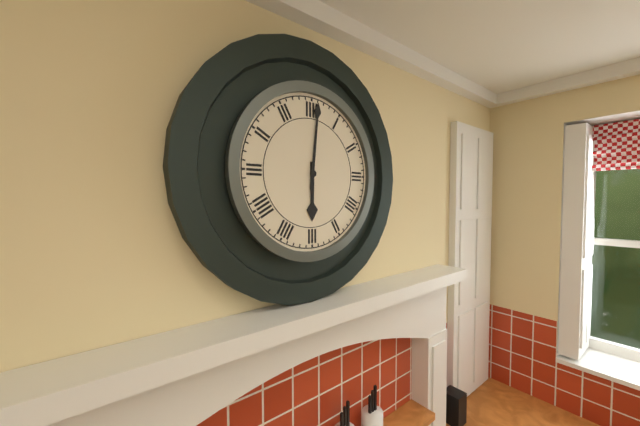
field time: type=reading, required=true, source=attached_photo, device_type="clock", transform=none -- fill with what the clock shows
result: 6:01
